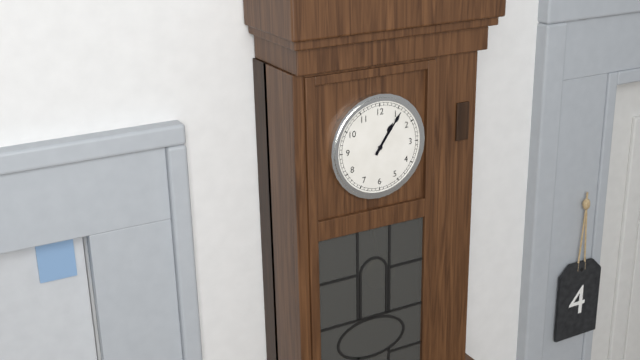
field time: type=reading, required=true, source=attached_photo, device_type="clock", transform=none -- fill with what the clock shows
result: 1:06
